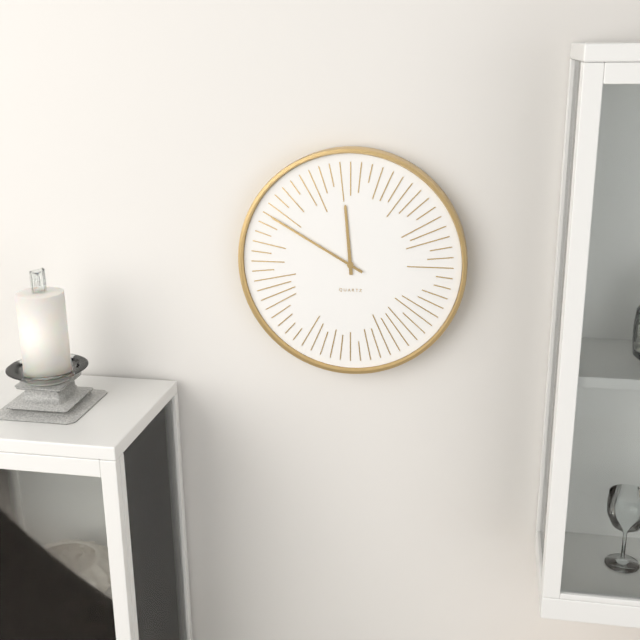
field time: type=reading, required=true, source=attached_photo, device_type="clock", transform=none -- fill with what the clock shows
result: 11:50
